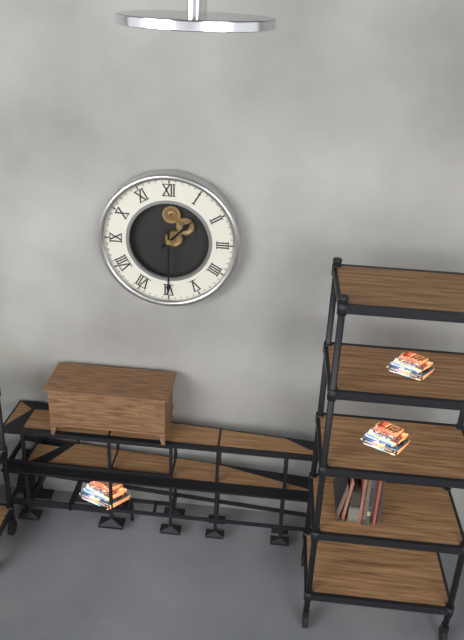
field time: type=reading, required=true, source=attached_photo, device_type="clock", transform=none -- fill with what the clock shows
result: 1:30
